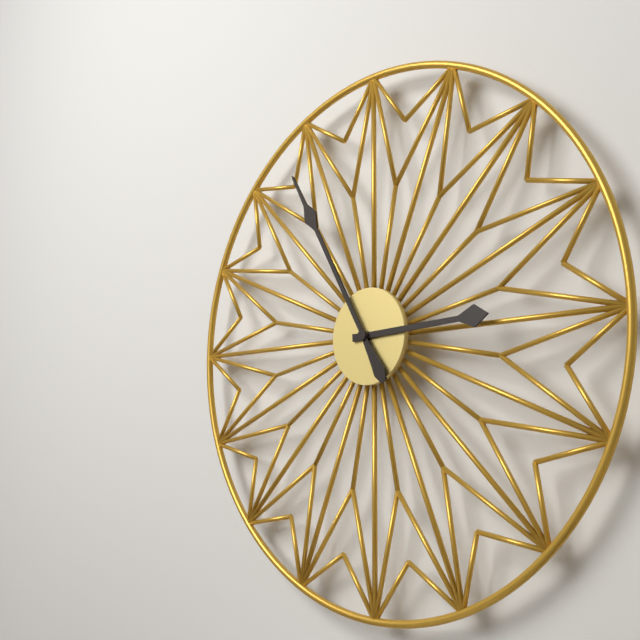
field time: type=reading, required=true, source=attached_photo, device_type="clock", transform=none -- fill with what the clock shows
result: 2:55
